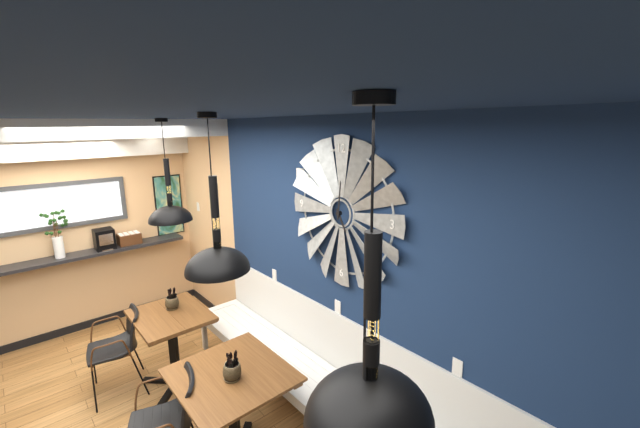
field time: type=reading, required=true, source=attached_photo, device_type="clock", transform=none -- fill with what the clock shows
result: 5:01
